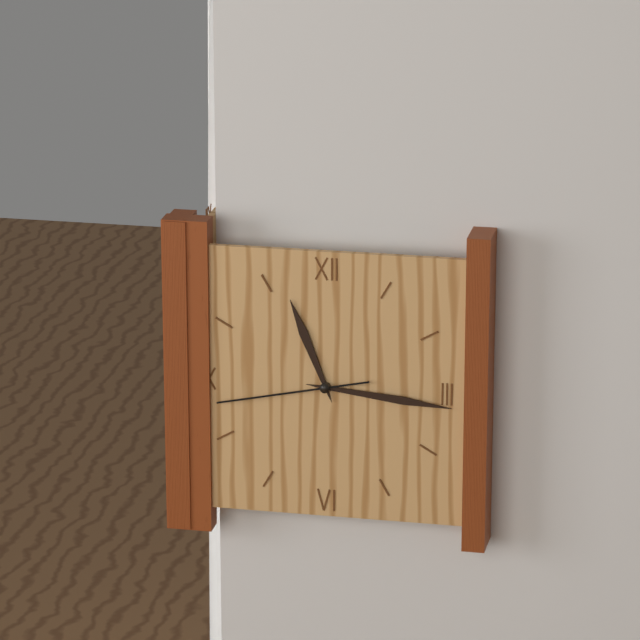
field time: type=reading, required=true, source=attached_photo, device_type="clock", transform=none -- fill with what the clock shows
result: 11:16:43
